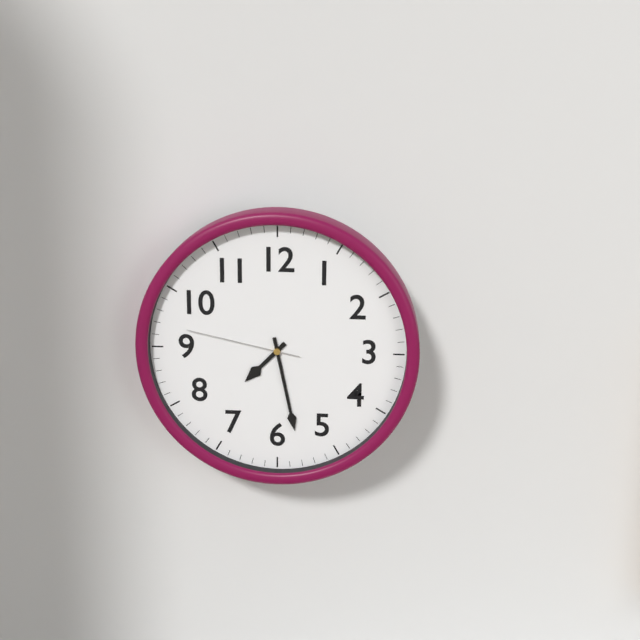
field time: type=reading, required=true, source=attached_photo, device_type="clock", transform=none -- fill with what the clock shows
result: 7:28:47
